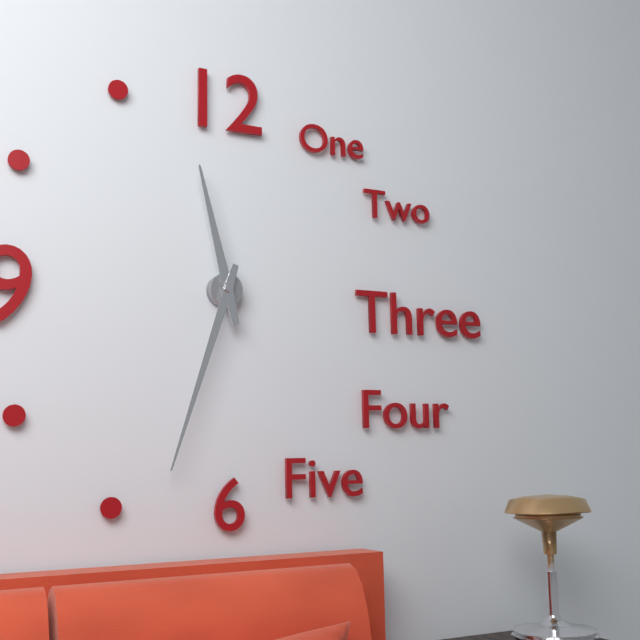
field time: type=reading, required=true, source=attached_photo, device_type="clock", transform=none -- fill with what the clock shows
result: 11:33
